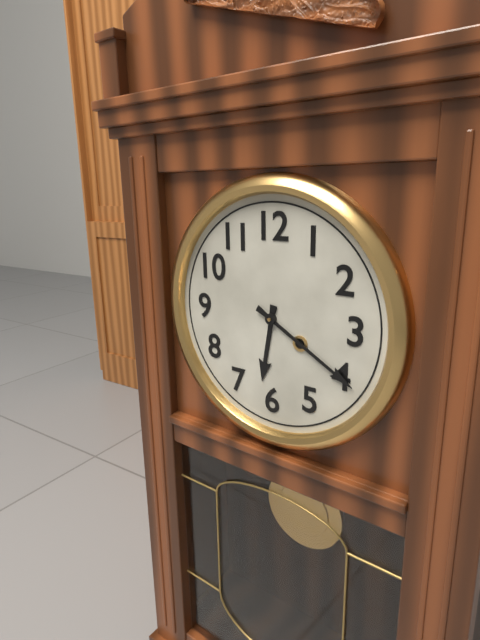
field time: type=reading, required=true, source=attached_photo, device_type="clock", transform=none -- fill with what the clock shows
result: 6:20
